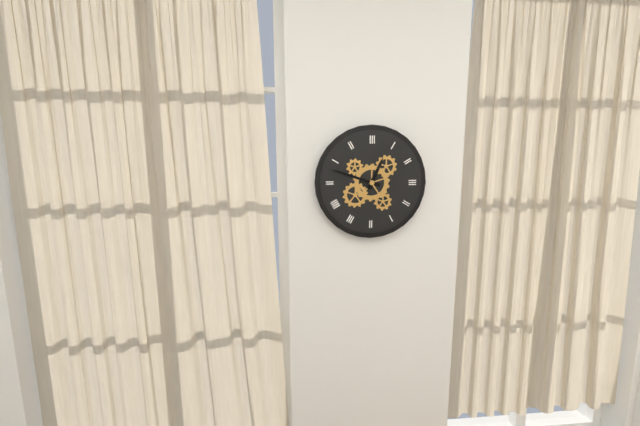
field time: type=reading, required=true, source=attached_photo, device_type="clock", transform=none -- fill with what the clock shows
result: 12:48
